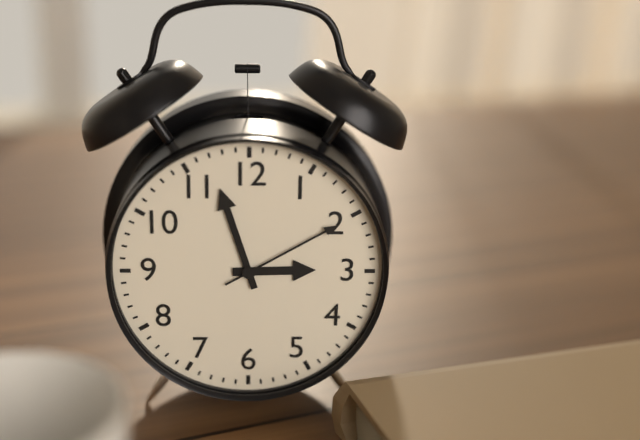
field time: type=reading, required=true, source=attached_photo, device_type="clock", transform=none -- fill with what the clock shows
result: 2:57:10
